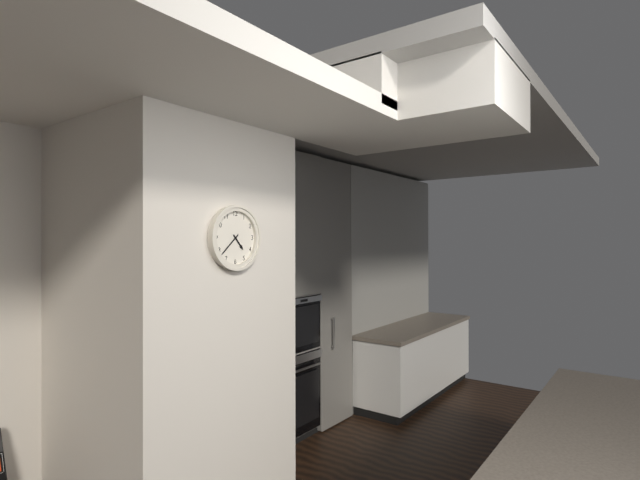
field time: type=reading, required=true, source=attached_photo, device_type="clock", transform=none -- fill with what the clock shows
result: 4:38
